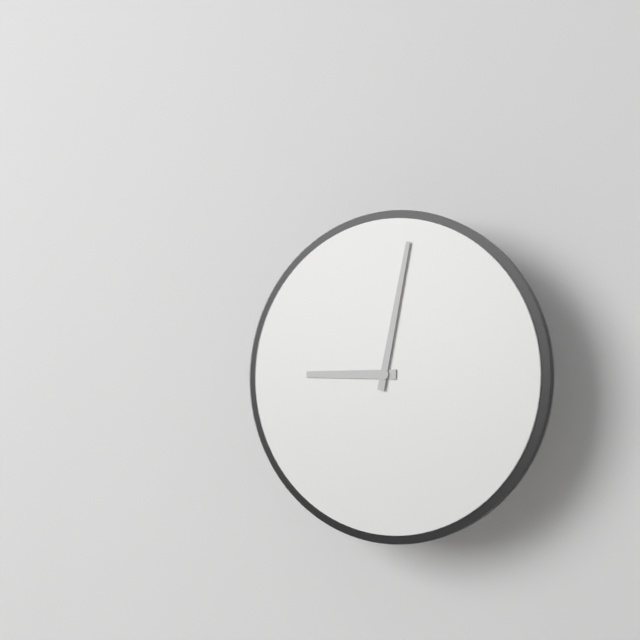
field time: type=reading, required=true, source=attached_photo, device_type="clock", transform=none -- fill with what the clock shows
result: 9:02
